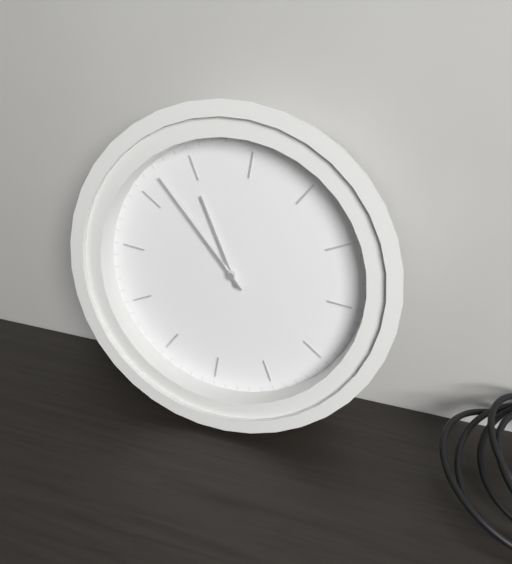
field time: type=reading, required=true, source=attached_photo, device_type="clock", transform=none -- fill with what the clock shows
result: 11:57
